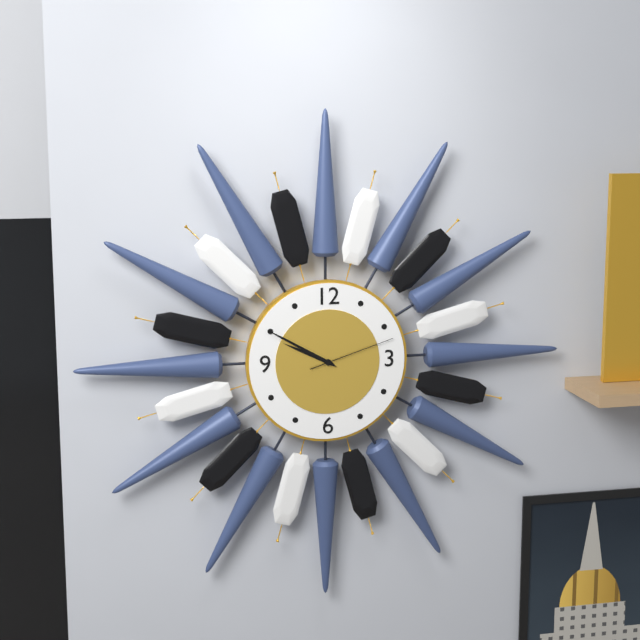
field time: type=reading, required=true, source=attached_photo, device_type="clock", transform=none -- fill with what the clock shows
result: 9:50:12
